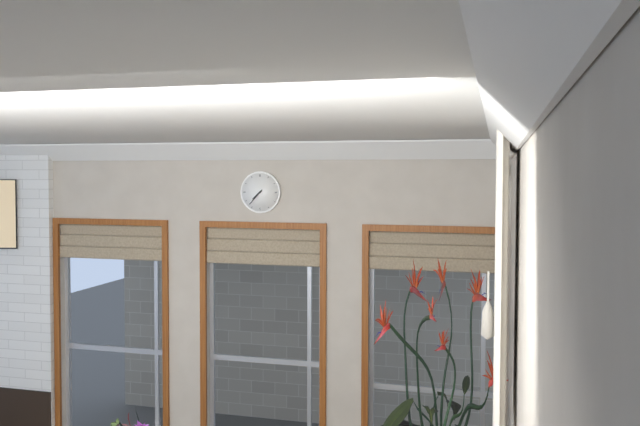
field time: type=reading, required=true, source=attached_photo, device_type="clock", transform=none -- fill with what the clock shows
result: 7:37
